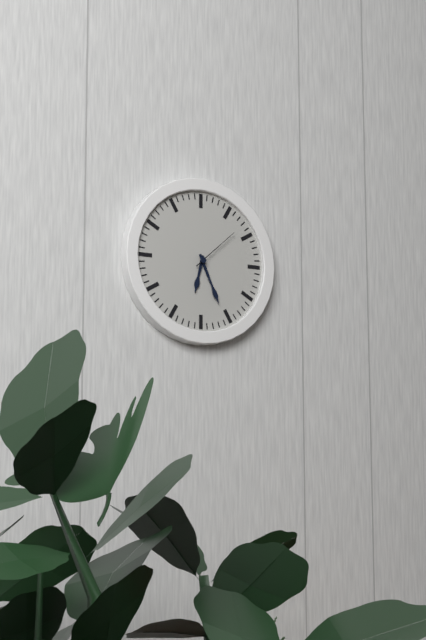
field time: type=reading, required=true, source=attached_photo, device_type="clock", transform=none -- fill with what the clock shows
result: 6:26:08
